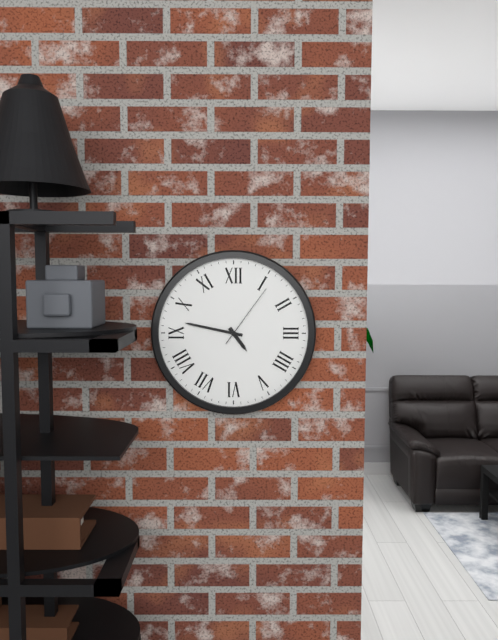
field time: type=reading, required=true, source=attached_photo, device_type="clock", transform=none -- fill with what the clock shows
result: 4:47:06
